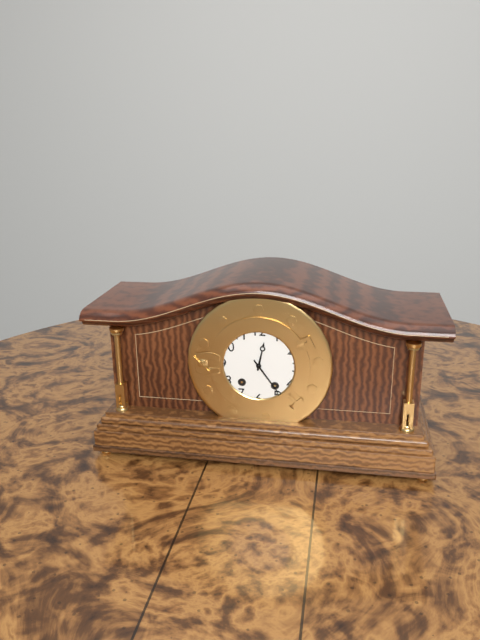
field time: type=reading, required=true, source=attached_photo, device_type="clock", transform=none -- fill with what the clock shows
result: 12:24
